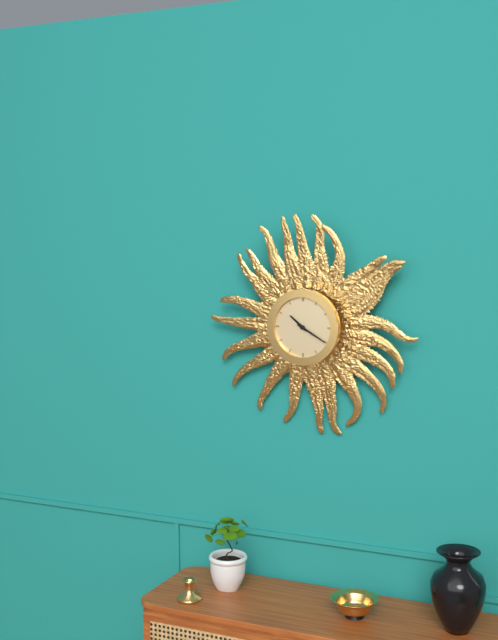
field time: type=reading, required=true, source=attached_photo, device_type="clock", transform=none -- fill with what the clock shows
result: 10:20
